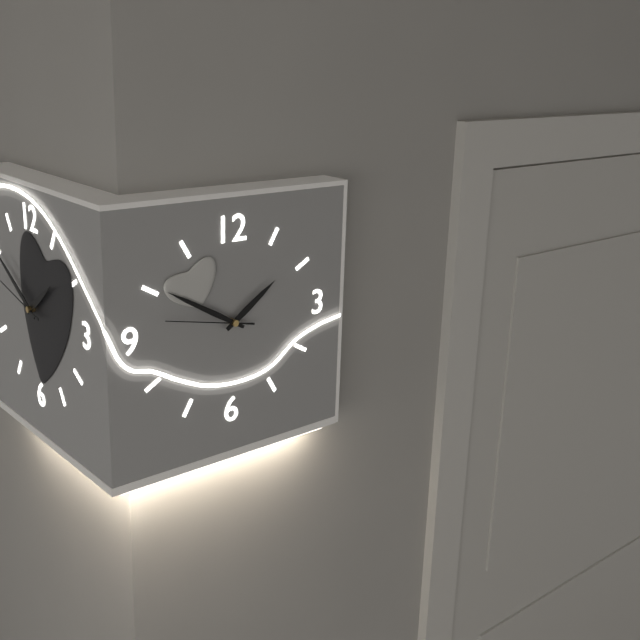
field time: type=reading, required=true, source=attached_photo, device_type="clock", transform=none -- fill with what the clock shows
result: 1:50:47
